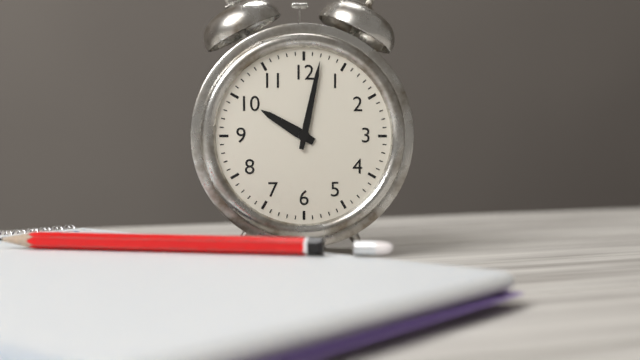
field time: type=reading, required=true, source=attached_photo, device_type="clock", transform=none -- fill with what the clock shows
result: 10:02
